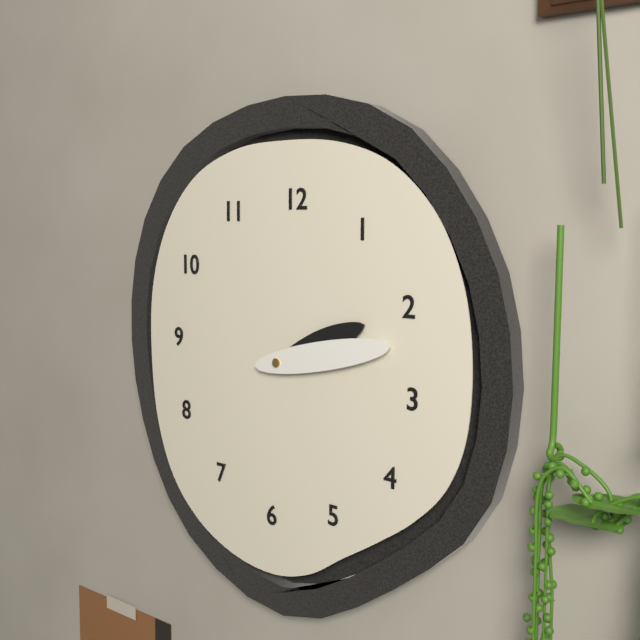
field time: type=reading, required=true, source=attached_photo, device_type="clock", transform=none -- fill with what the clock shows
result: 2:13
